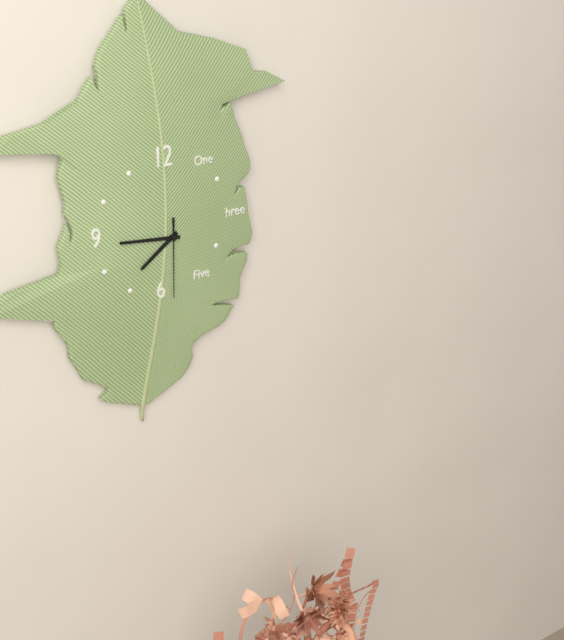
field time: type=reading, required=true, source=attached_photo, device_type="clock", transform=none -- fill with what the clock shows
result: 7:46:30
